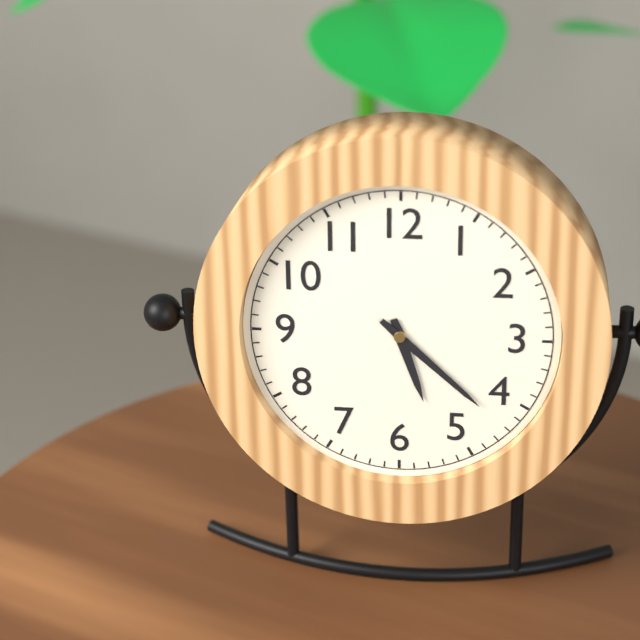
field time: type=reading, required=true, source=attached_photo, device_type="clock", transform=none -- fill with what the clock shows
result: 5:22
